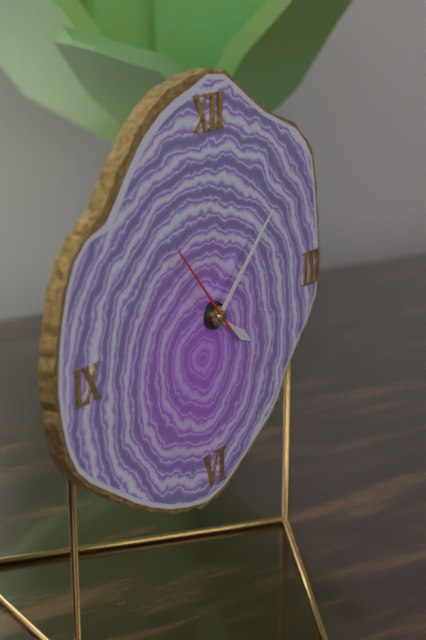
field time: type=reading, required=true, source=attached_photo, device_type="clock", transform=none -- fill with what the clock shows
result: 4:08:53
